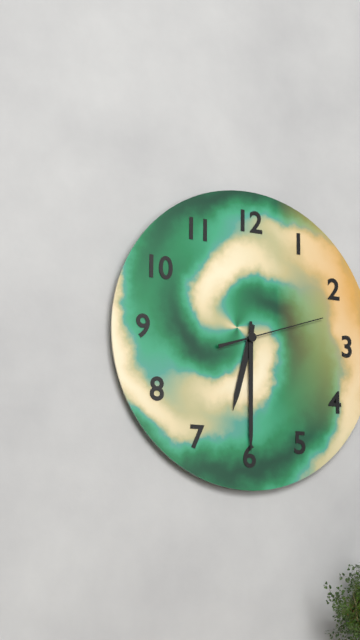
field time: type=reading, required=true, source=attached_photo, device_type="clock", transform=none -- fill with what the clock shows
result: 6:30:12
